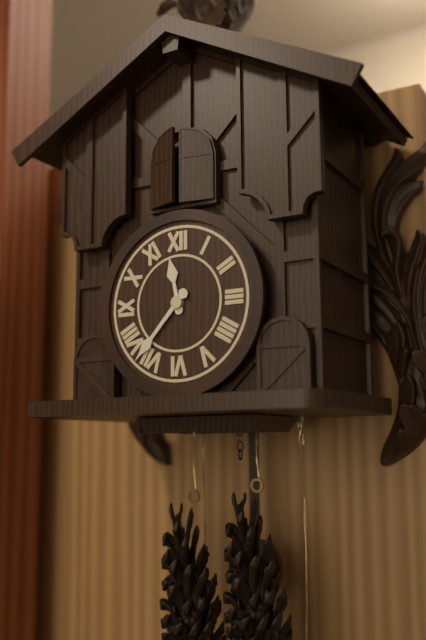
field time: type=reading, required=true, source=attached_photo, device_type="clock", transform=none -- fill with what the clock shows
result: 11:37
